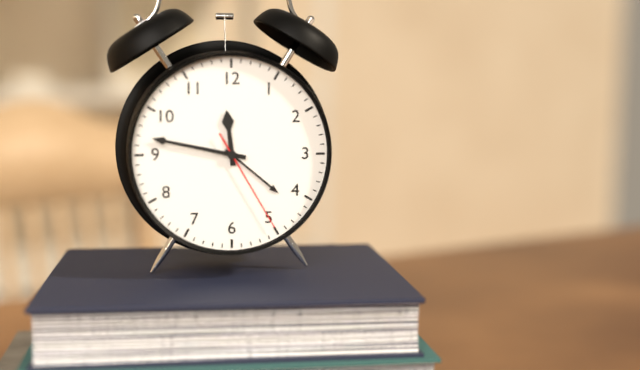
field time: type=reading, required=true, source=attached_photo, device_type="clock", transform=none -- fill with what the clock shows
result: 11:47:25
